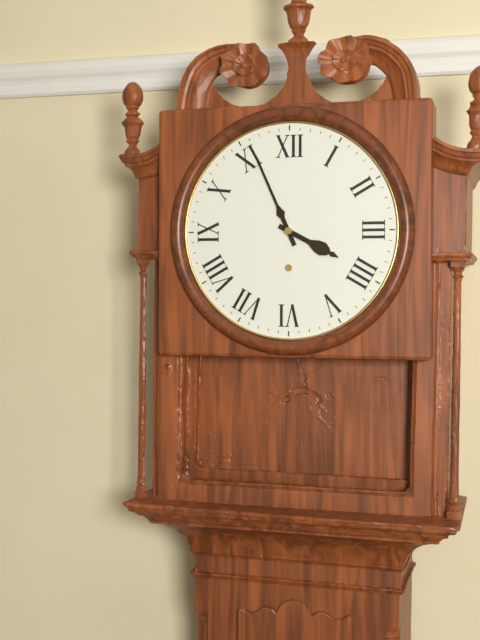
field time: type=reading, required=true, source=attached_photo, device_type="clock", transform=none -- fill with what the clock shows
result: 3:56
